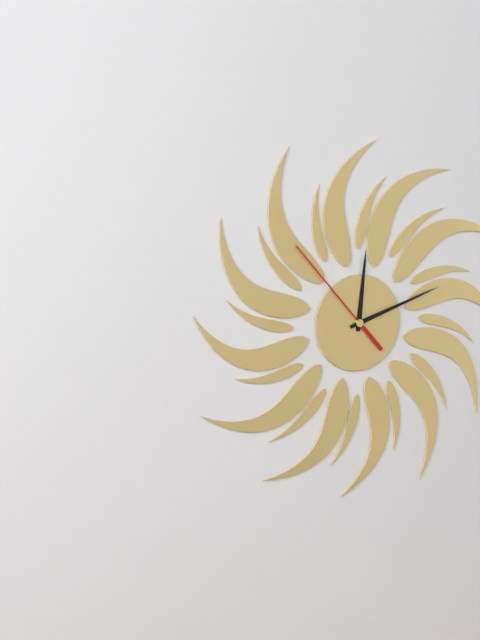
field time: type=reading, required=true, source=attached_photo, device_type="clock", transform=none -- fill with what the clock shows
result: 12:12:53
